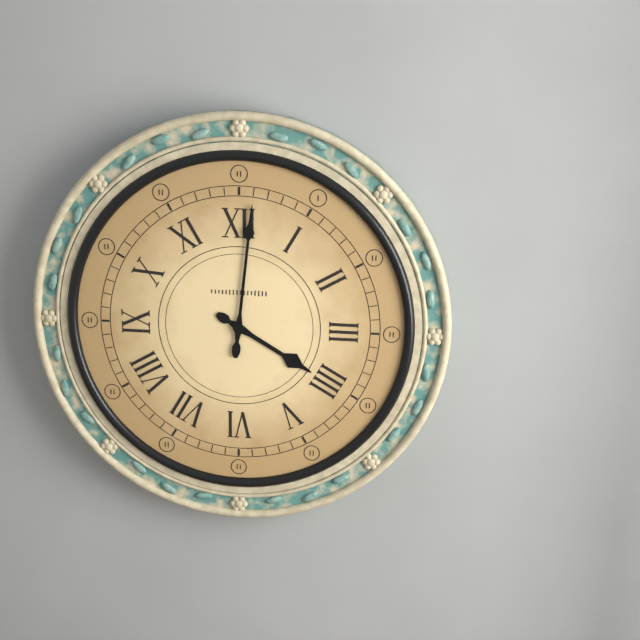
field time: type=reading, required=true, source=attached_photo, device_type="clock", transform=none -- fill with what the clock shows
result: 4:01
